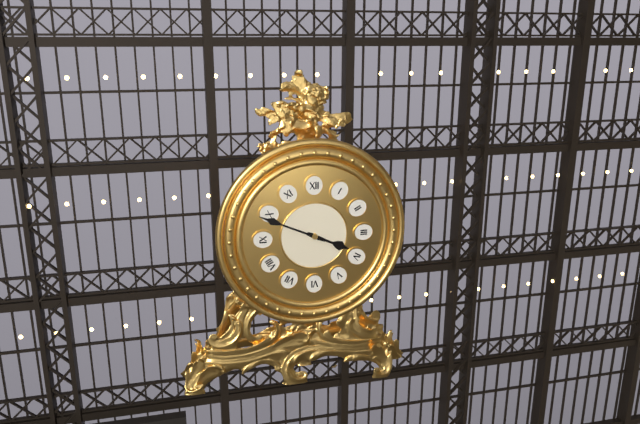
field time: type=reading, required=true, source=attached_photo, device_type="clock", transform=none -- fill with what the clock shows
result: 3:49
